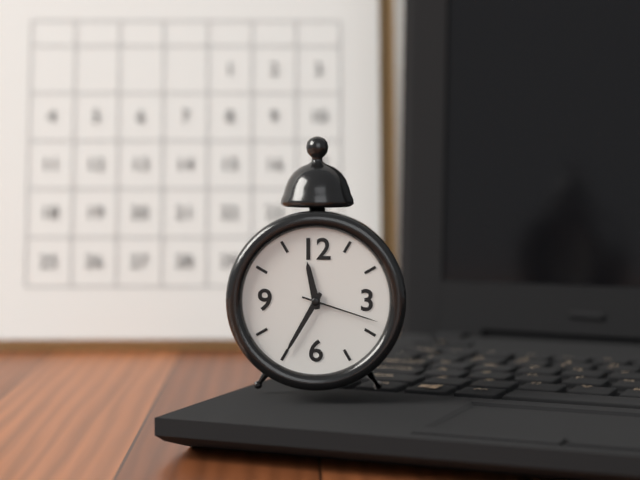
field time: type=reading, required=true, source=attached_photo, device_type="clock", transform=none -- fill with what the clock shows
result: 11:35:18
